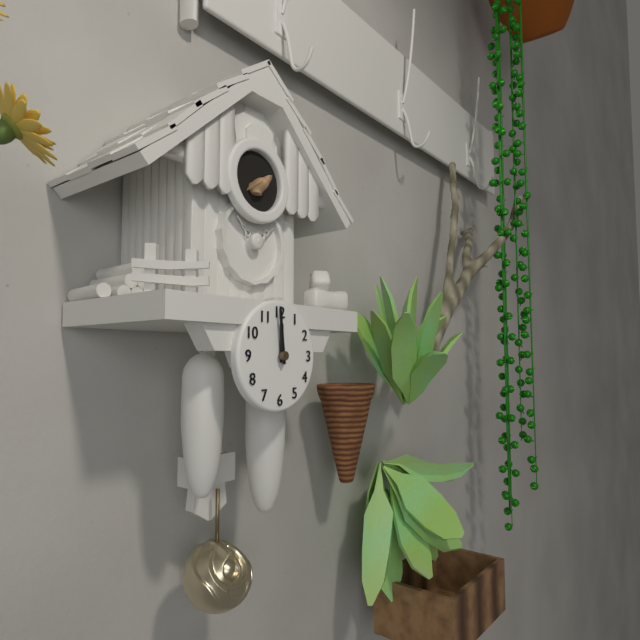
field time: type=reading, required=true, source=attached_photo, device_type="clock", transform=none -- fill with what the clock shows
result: 11:59
